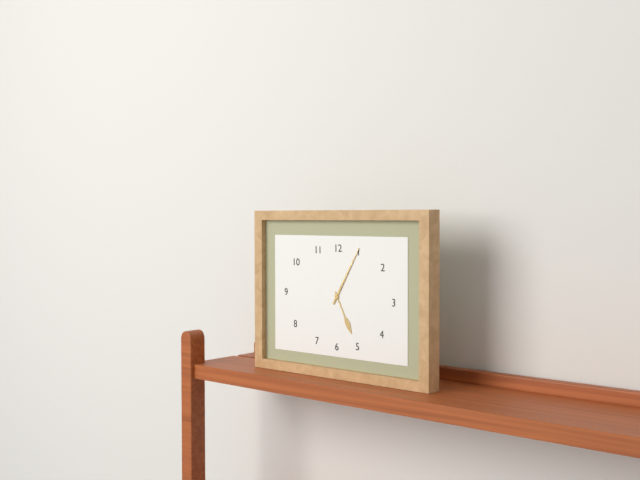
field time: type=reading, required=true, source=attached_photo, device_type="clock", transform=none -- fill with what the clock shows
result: 5:05
